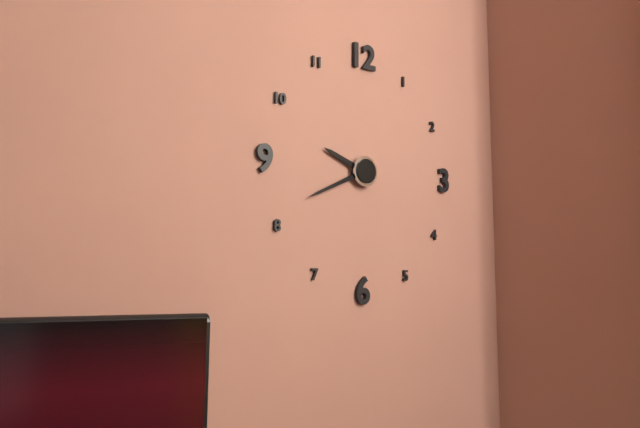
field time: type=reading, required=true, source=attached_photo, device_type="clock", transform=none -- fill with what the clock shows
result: 9:41
